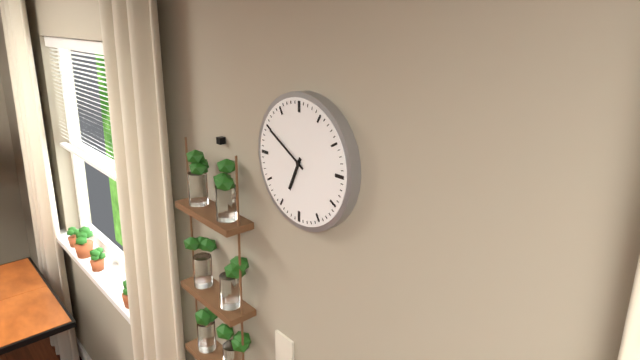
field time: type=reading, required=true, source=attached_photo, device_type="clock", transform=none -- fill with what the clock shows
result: 6:50
